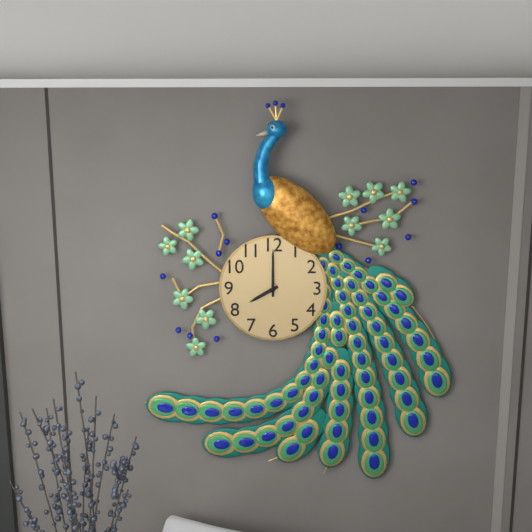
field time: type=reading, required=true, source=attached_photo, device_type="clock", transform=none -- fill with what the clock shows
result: 8:00
